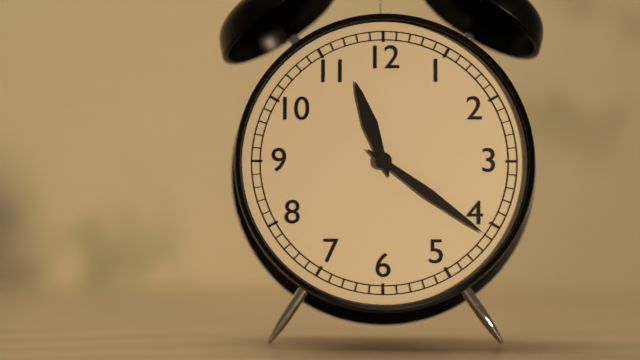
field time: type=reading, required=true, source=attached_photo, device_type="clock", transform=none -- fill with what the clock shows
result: 11:21
